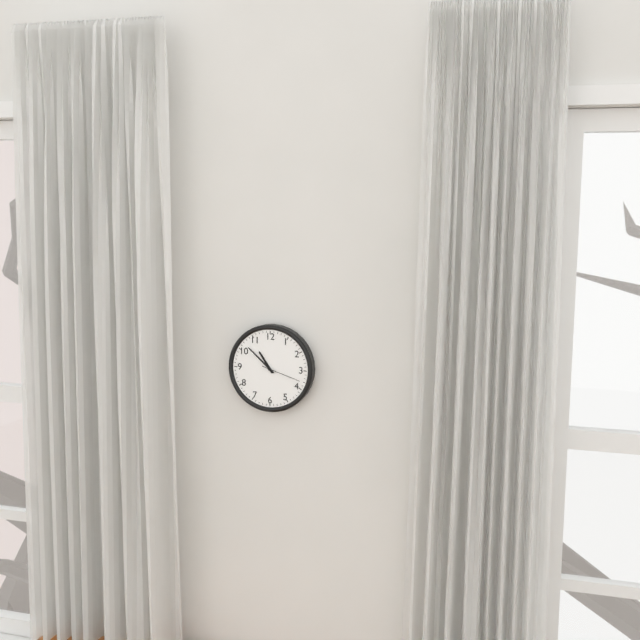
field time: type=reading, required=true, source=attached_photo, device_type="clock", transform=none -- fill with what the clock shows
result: 10:52
